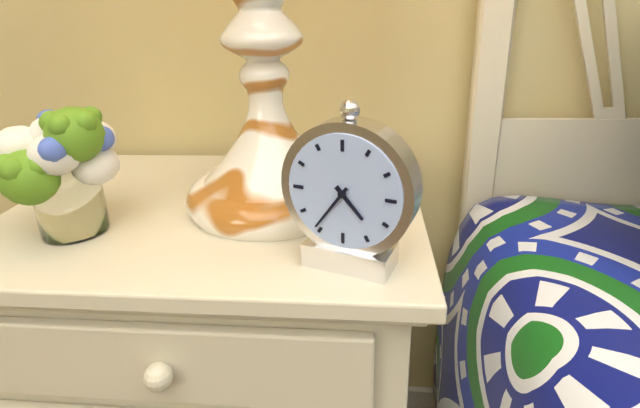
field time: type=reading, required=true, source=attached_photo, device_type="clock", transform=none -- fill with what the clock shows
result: 4:36
